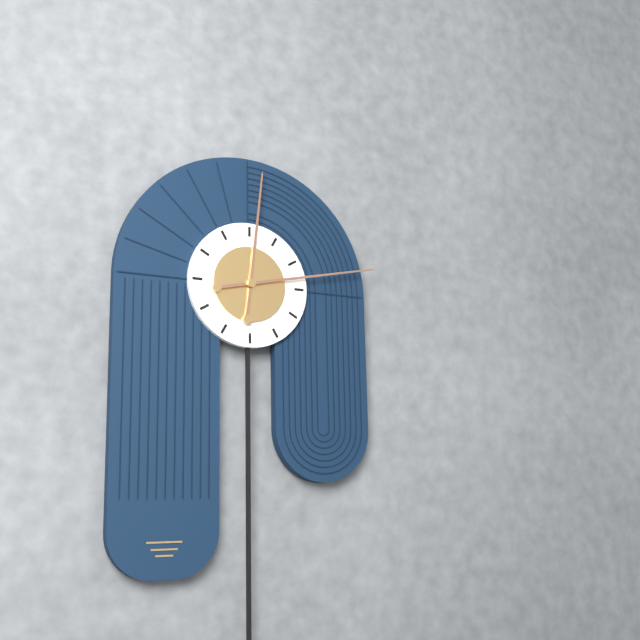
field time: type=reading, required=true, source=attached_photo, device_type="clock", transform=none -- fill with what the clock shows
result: 12:13
